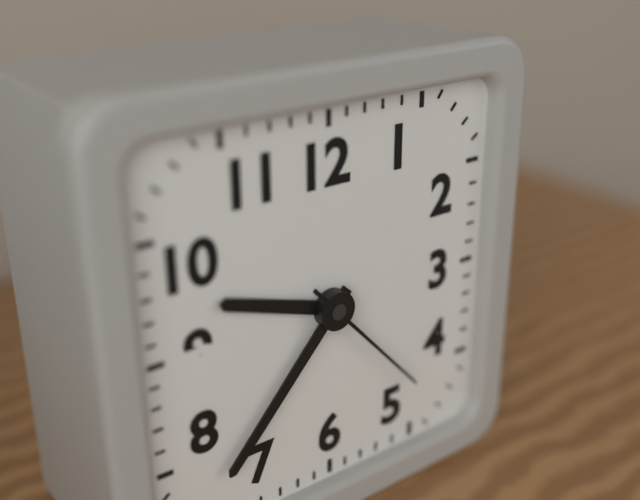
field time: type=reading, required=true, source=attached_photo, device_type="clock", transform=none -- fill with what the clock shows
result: 9:37:23
